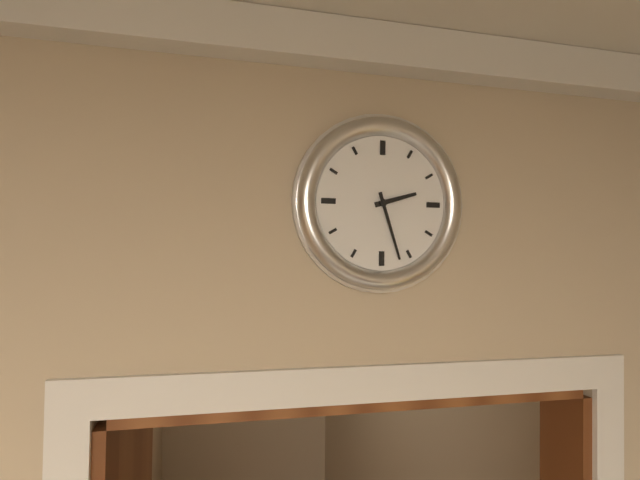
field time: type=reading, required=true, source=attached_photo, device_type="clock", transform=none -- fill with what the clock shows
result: 2:27
